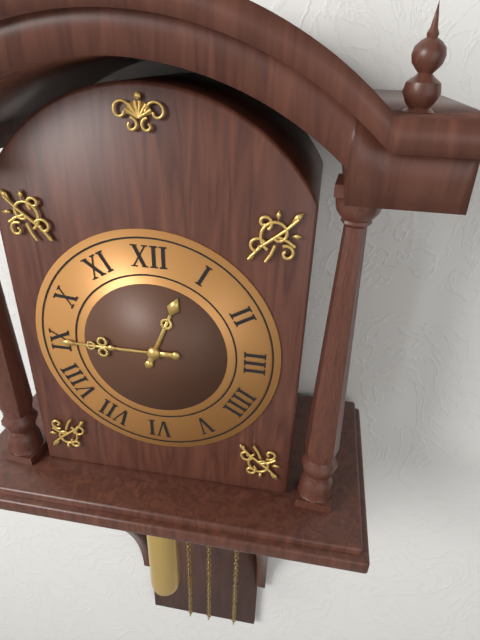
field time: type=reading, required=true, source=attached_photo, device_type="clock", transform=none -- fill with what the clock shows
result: 12:45
